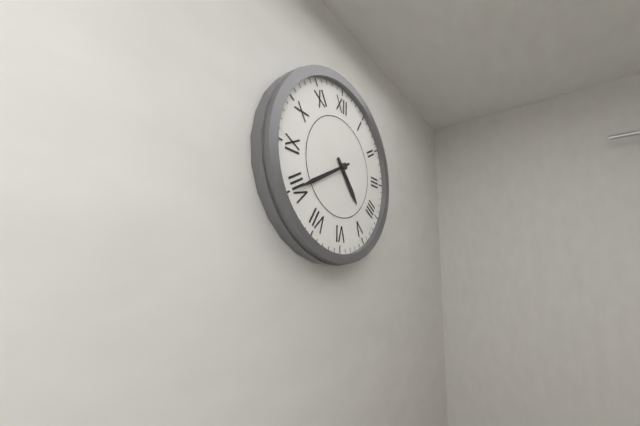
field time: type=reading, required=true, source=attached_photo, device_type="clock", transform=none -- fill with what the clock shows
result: 4:40
